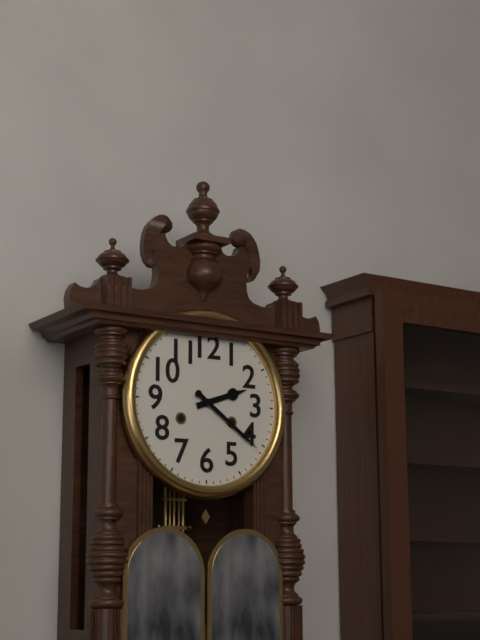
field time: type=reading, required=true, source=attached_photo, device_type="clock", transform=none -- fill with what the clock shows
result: 2:21
